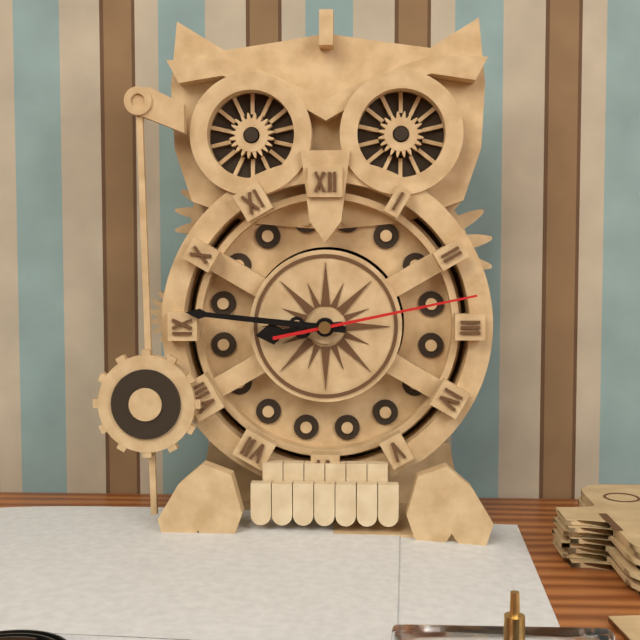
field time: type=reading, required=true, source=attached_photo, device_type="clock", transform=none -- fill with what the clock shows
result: 8:46:13
